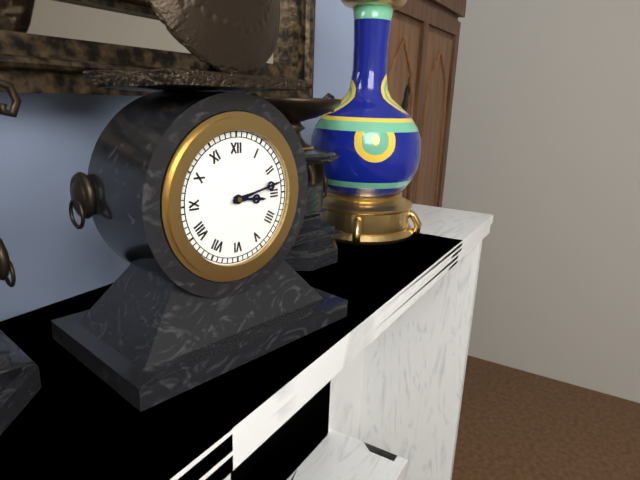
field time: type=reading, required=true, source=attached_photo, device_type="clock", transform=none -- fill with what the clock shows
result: 3:13
